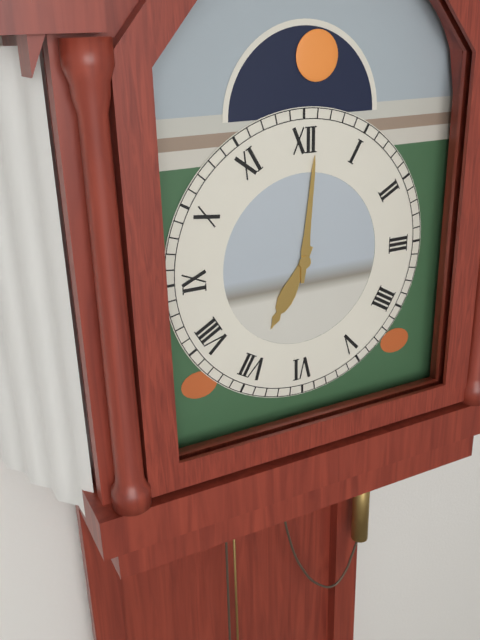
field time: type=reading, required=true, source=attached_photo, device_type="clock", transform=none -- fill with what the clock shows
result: 7:01
